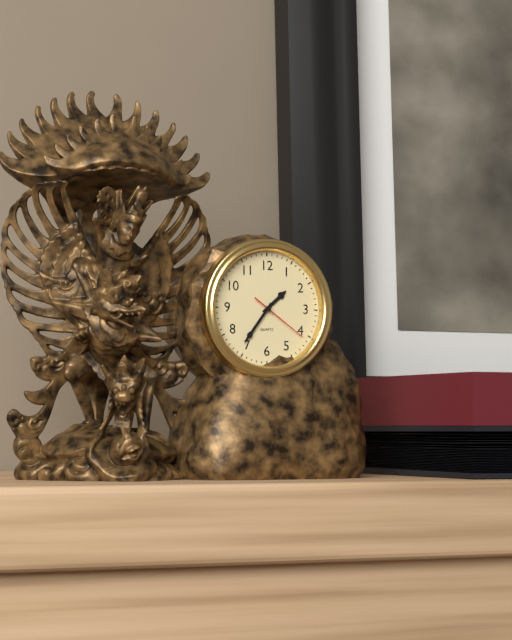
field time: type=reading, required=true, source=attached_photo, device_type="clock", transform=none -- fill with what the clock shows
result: 1:36:21
